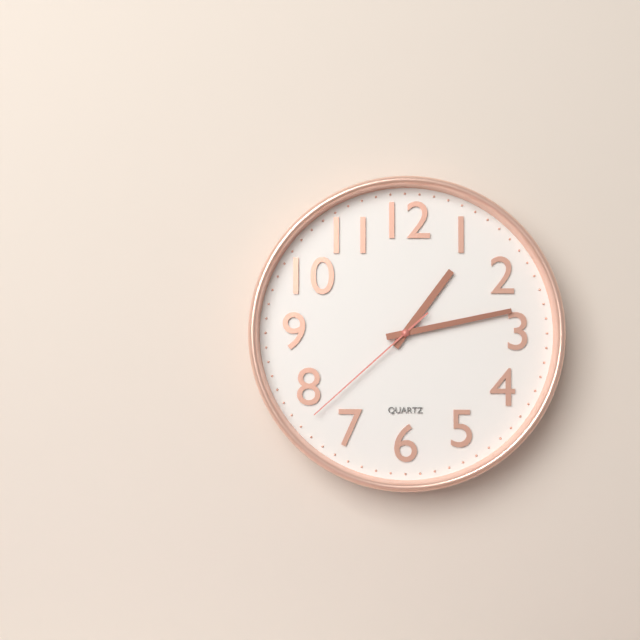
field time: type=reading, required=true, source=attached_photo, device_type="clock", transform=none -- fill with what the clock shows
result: 1:13:38
